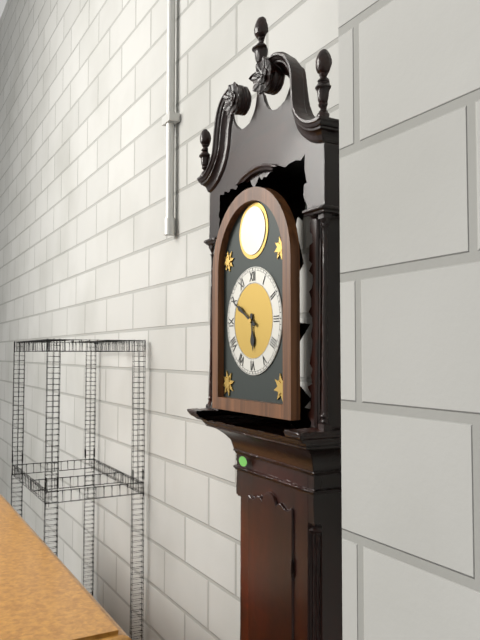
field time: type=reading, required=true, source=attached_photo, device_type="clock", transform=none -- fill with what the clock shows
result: 5:50
